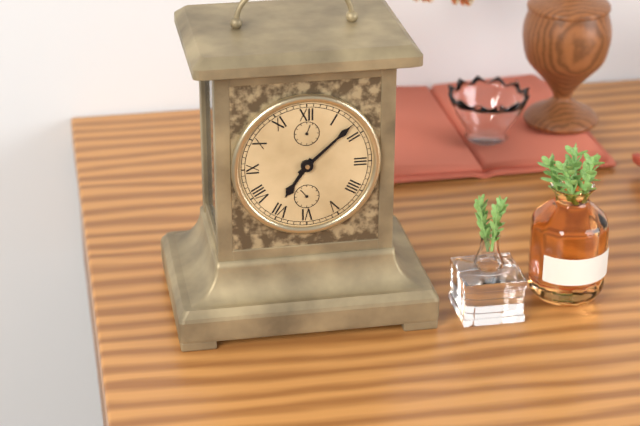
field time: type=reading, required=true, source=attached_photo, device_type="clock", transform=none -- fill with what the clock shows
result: 7:08
